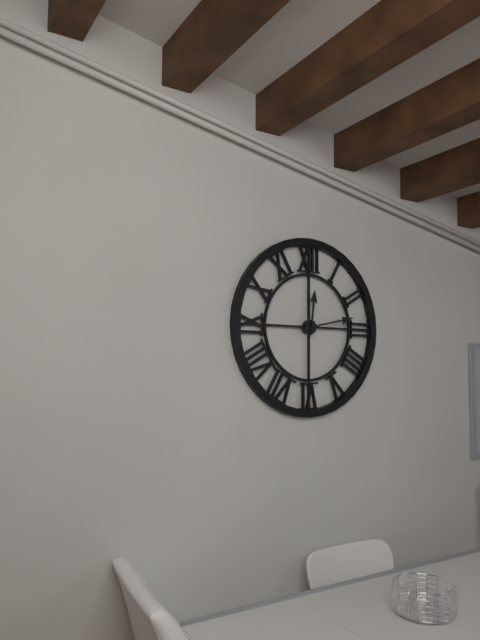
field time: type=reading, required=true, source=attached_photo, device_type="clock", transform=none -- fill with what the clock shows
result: 12:13
